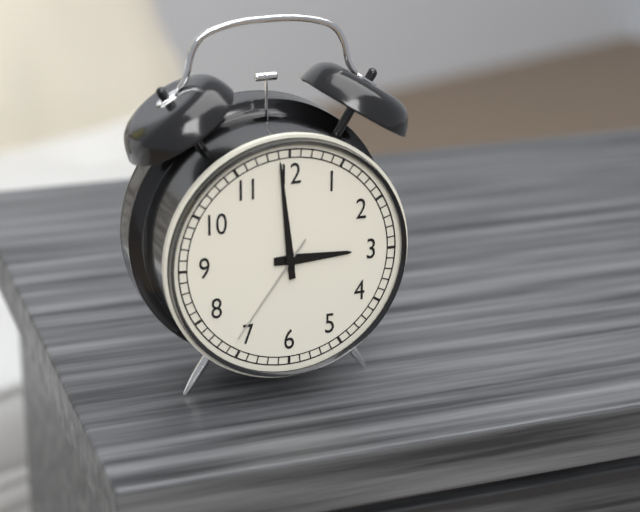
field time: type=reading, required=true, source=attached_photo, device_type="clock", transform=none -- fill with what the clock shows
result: 2:59:36
